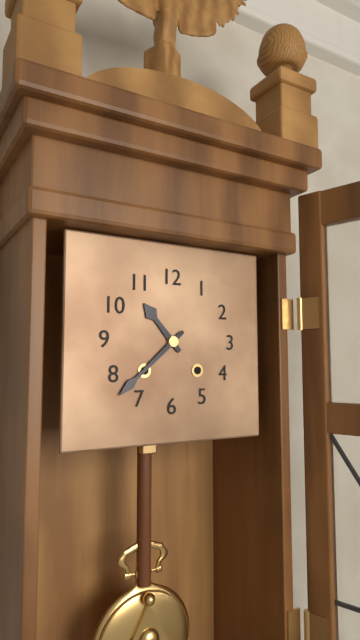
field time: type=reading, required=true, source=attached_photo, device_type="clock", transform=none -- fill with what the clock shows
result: 10:38
